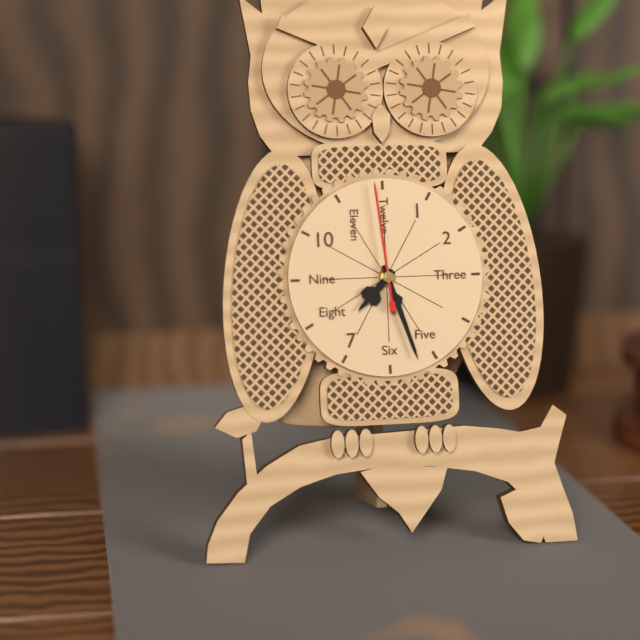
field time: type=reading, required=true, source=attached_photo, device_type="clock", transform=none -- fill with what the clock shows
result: 7:27:59
